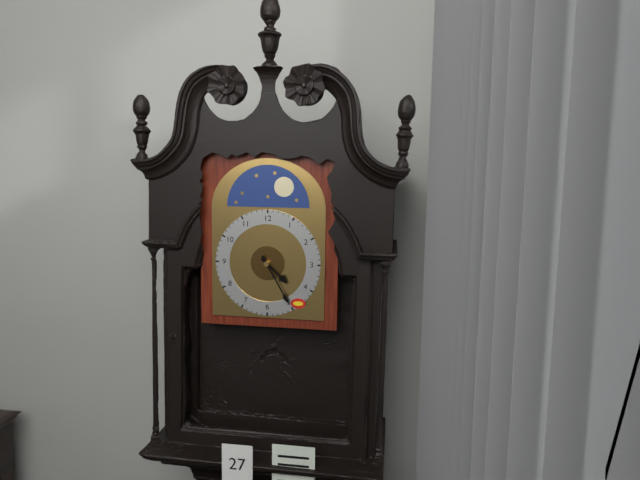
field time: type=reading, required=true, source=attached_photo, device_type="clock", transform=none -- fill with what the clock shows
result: 4:25
